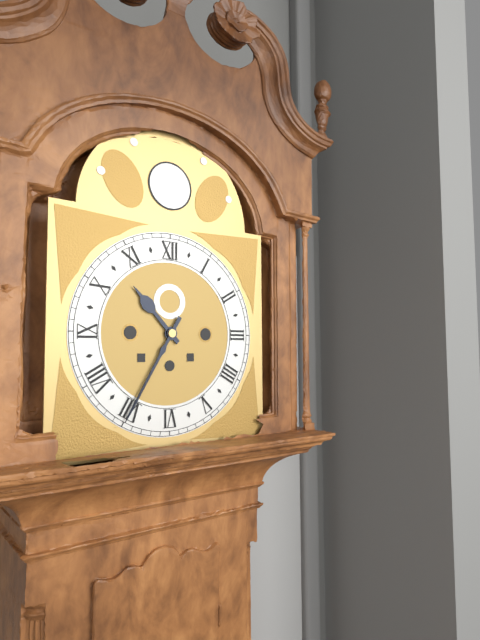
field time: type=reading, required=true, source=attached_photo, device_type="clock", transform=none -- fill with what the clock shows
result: 10:35
